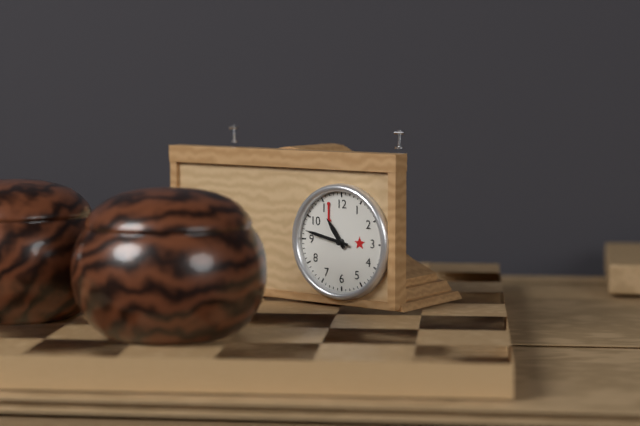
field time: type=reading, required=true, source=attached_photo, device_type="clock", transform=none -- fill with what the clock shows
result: 10:47
